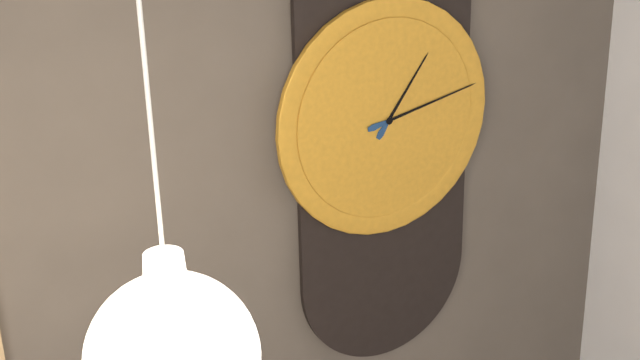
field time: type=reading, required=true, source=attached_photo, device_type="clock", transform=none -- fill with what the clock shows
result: 1:13
